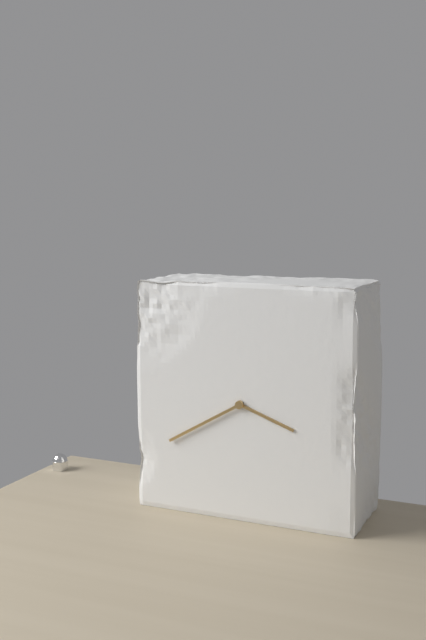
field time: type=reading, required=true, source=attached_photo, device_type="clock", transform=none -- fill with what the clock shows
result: 3:40
